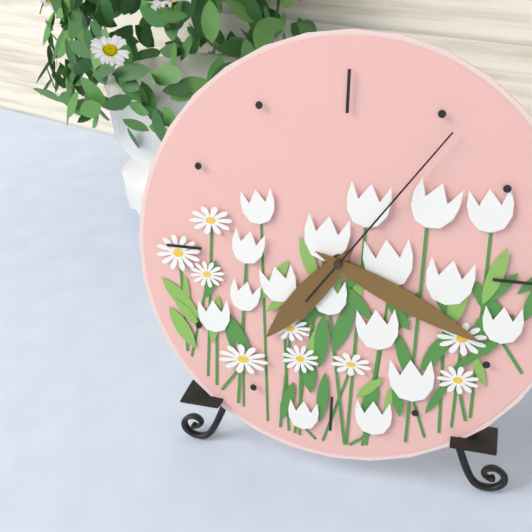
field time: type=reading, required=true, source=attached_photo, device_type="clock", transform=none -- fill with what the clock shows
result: 7:19:06
